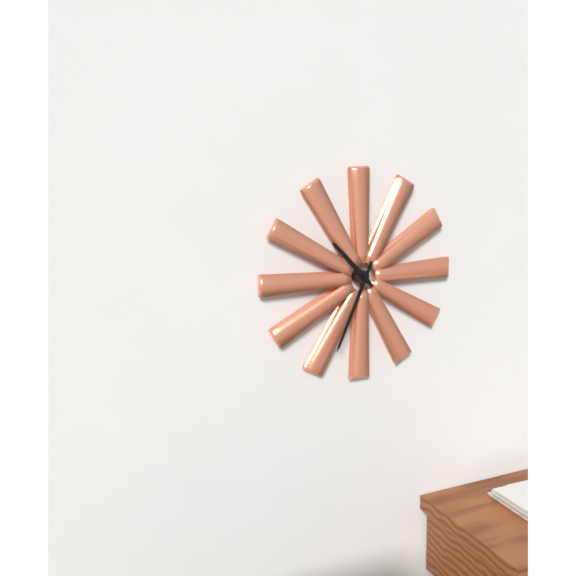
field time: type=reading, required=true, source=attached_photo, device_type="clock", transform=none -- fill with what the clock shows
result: 10:34
